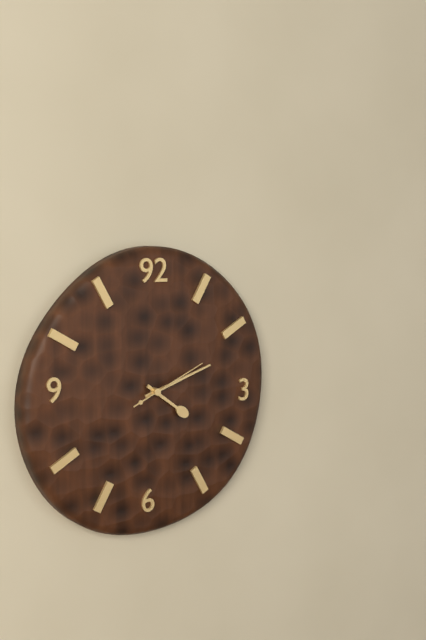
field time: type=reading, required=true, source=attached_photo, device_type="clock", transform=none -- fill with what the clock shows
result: 4:12:11
